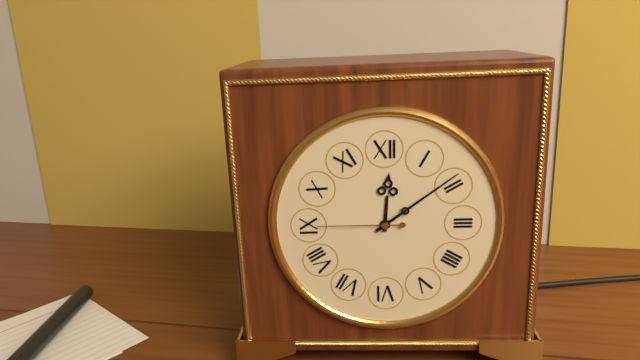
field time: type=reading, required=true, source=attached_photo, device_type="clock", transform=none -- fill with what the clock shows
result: 12:09:45
